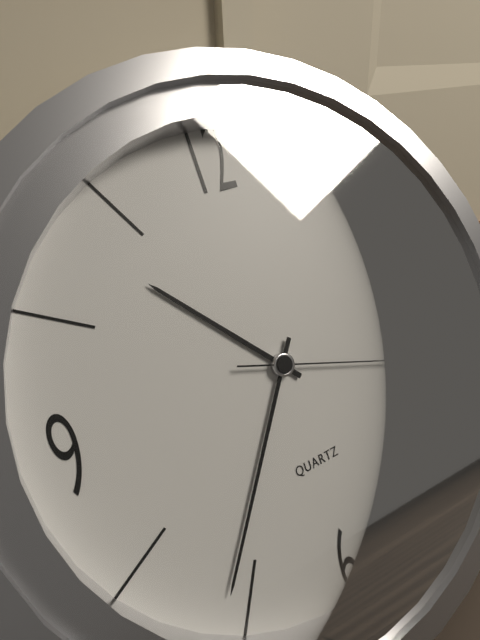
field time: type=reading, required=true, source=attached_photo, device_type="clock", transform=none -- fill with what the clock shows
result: 10:36:18
